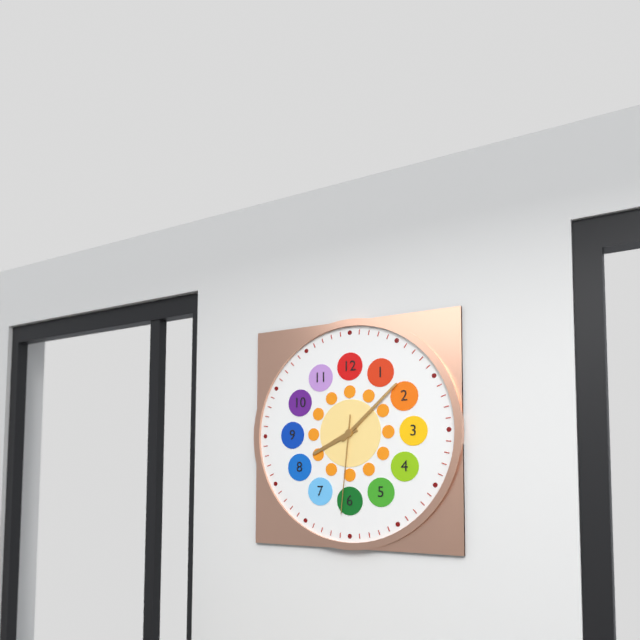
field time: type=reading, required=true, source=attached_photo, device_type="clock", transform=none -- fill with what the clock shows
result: 8:08:31
